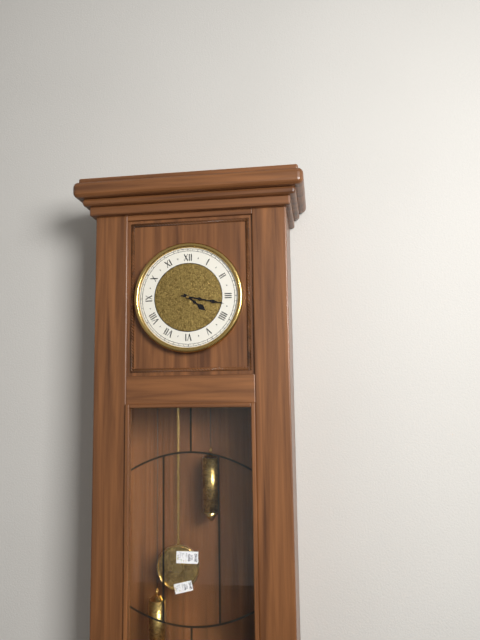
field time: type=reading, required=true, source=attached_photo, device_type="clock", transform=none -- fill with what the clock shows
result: 4:17
